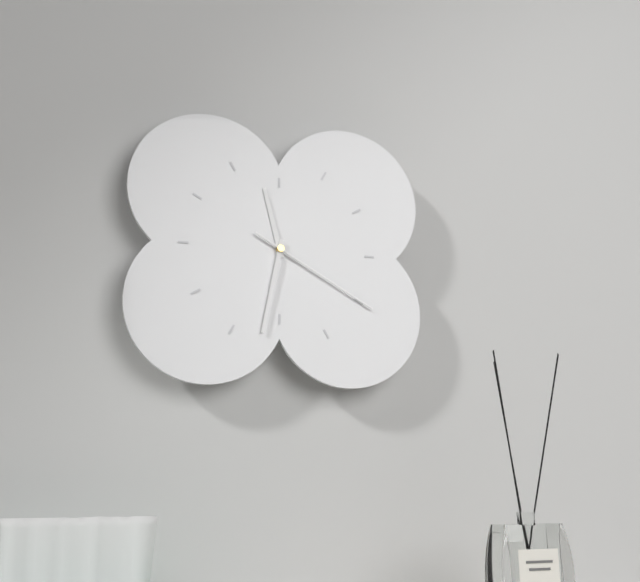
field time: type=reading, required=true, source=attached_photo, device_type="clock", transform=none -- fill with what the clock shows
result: 11:32:20
